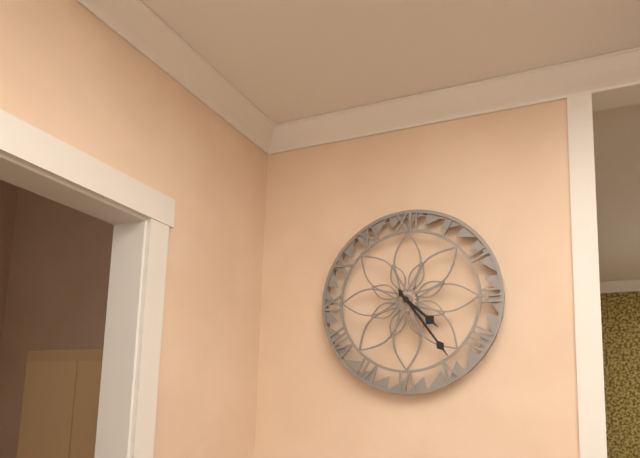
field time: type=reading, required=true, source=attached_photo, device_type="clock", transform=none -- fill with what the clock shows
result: 4:24
